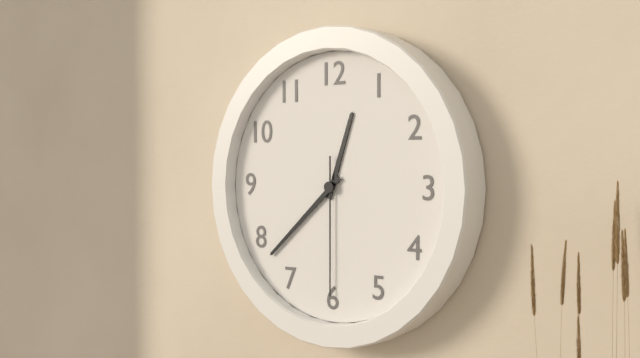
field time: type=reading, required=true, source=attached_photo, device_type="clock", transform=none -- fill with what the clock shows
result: 12:38:30
